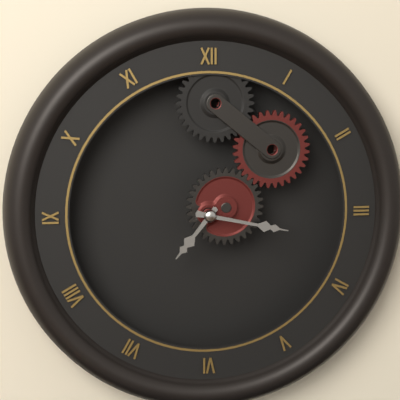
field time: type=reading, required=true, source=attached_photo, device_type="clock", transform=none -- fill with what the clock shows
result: 7:17
